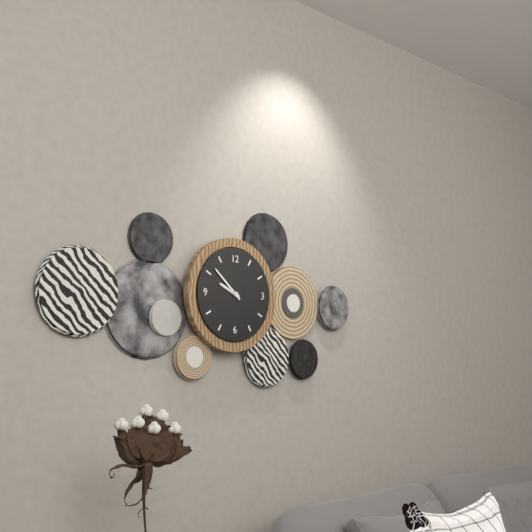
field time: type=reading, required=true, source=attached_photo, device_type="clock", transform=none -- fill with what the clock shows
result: 9:52
